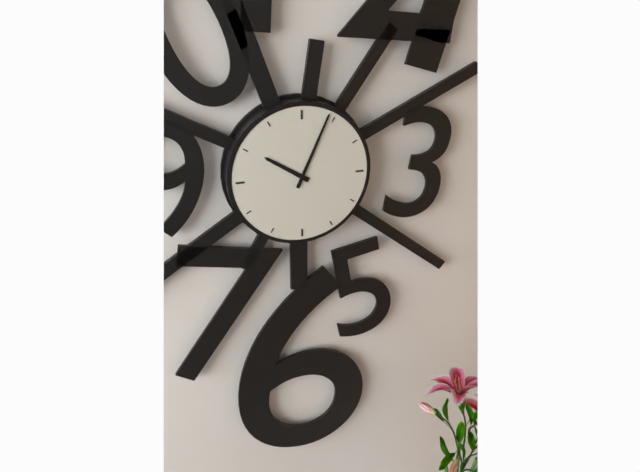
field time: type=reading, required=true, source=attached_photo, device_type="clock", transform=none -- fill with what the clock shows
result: 10:04
